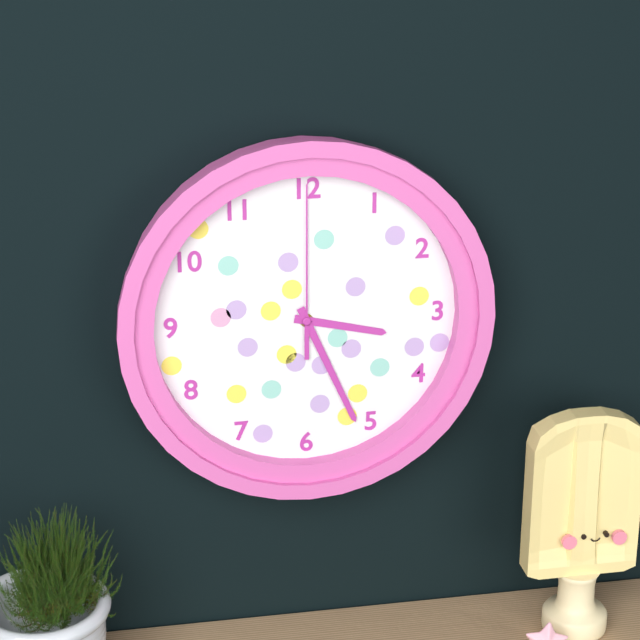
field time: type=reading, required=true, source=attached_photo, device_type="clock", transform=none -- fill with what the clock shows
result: 3:26:00
